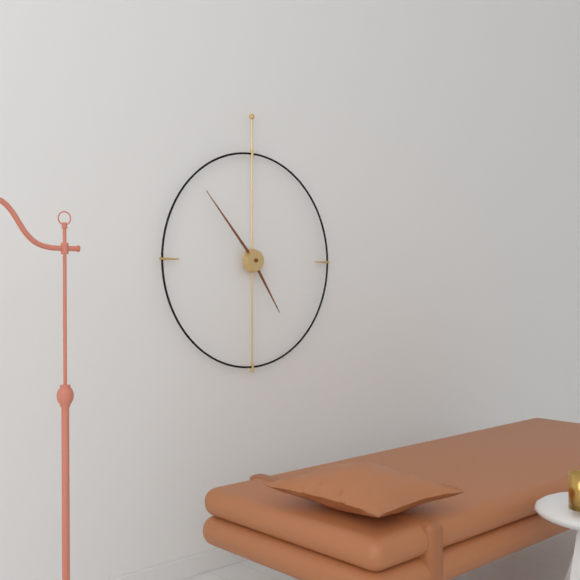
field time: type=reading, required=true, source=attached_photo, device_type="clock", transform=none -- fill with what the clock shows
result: 4:53
